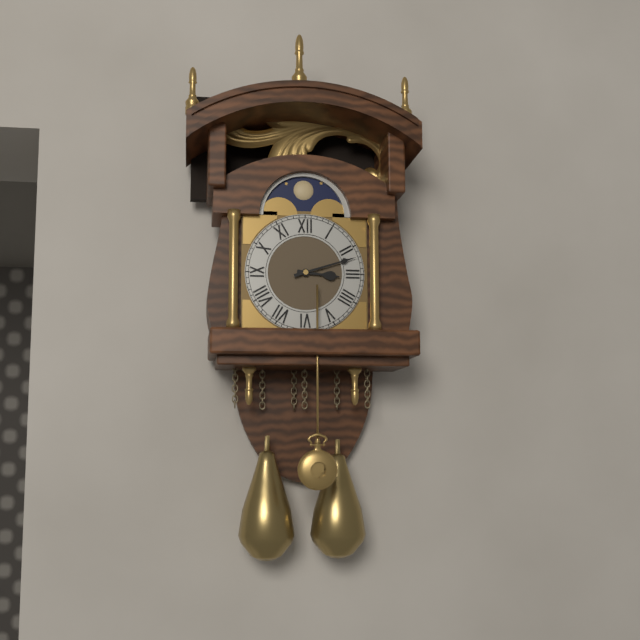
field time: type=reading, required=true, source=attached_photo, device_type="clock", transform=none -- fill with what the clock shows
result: 3:12
